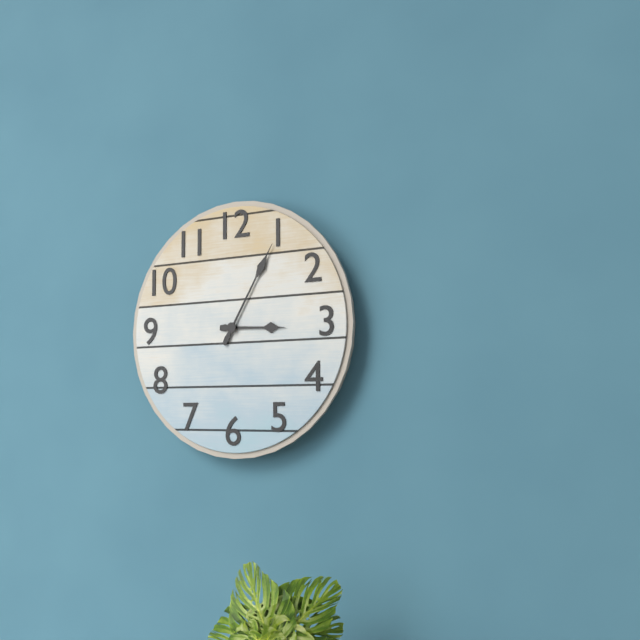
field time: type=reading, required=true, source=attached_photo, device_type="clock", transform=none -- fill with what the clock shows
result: 3:05
